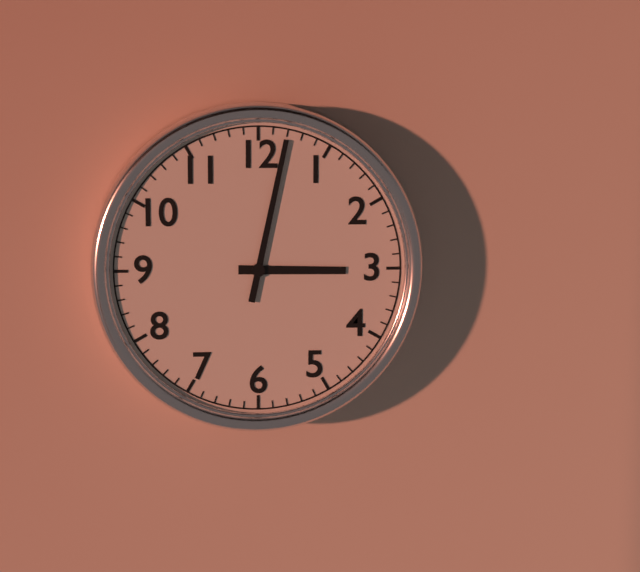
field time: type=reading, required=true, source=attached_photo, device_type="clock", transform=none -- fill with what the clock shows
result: 3:02
